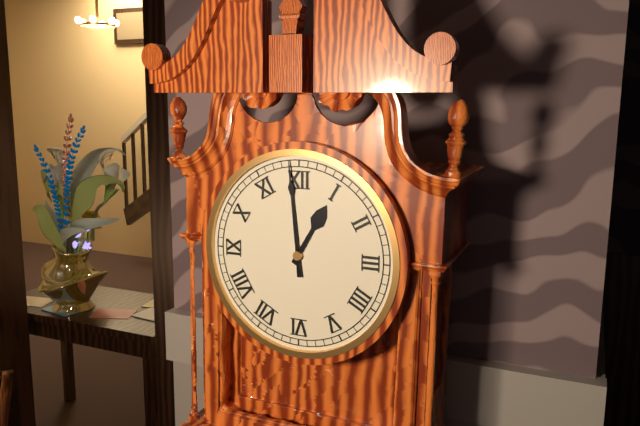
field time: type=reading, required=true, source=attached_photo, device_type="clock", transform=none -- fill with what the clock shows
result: 12:59
